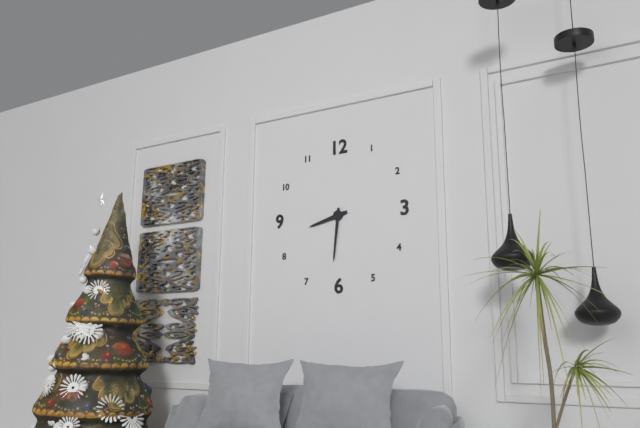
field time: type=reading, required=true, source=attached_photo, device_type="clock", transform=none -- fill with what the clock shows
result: 8:31
